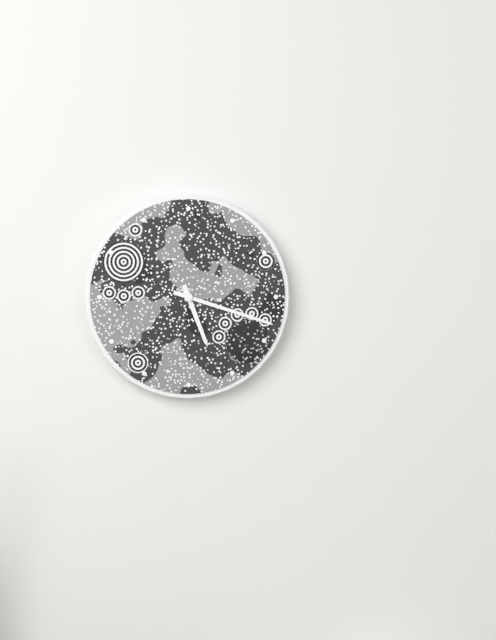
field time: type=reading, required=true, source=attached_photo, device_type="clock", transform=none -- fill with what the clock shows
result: 5:18
